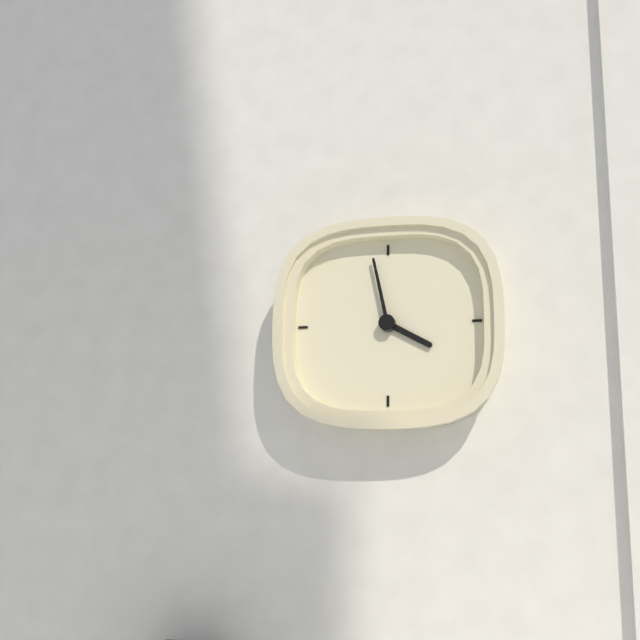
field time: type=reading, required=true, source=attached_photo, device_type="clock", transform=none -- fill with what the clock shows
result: 3:58
